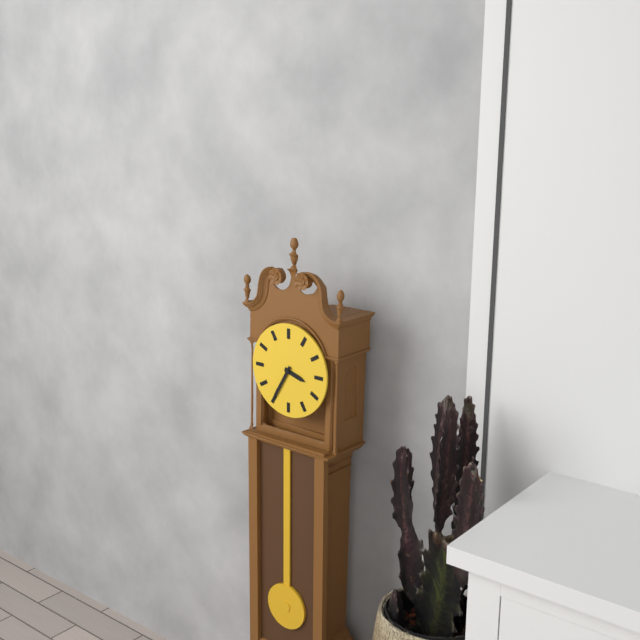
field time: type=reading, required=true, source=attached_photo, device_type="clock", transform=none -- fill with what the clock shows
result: 3:35
